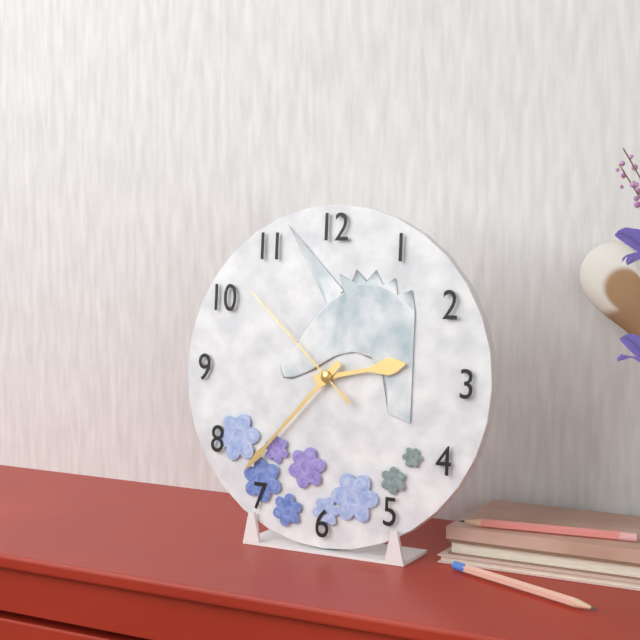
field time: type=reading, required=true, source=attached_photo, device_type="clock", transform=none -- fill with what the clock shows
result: 2:37:52
